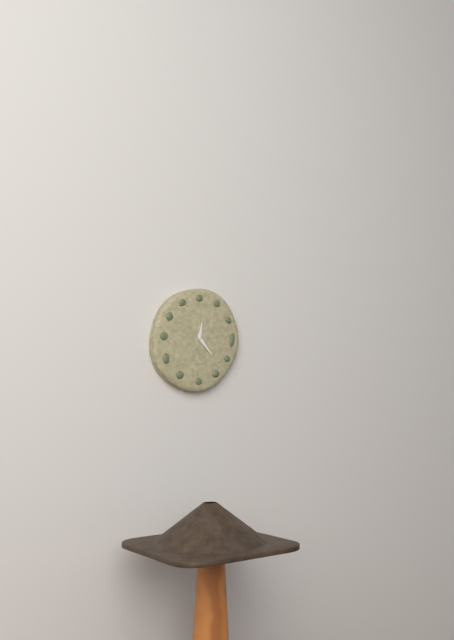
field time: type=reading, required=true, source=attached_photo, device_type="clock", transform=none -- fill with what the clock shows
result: 12:23
